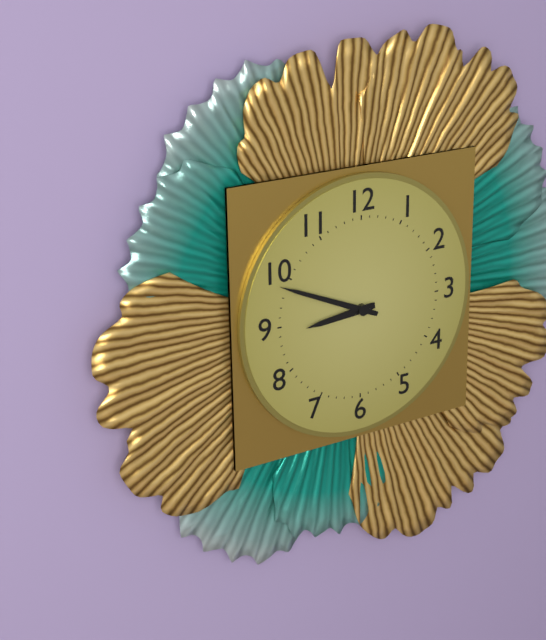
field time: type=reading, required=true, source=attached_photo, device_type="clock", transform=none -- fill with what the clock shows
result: 8:49
